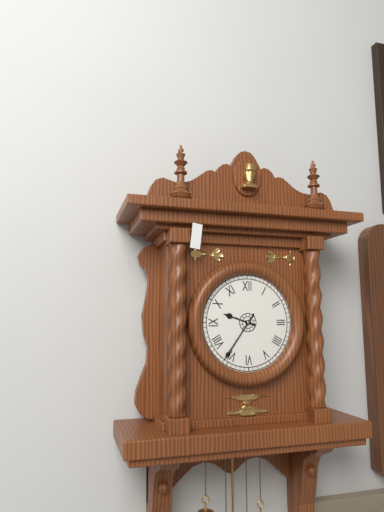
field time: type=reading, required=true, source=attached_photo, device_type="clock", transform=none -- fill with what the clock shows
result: 9:36
